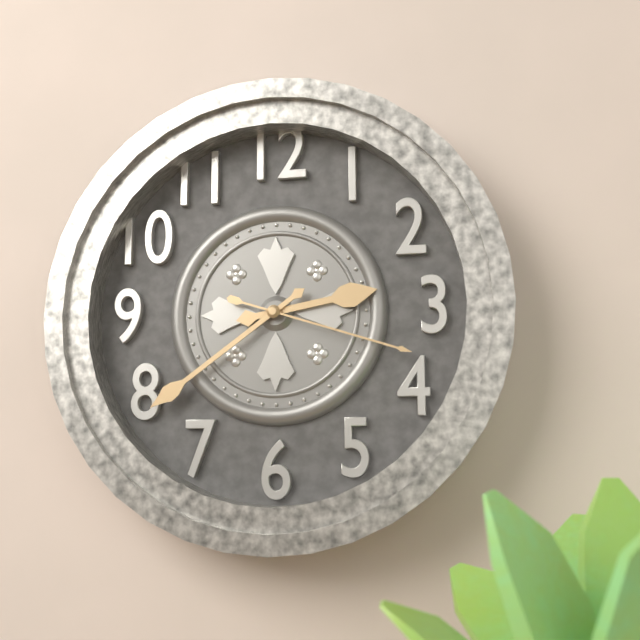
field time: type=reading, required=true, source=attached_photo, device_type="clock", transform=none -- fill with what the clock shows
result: 2:39:18
